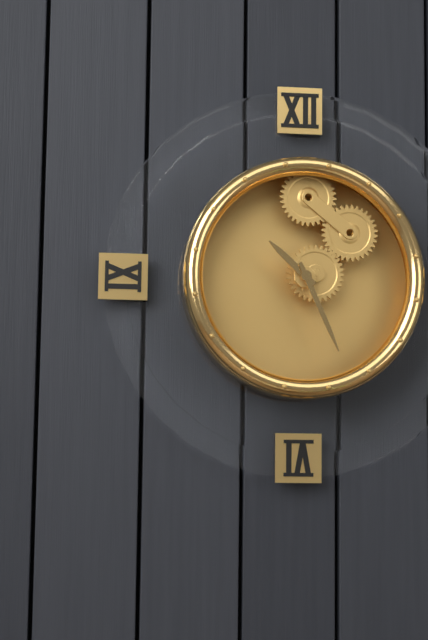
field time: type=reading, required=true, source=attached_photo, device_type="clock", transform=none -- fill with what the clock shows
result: 10:26
